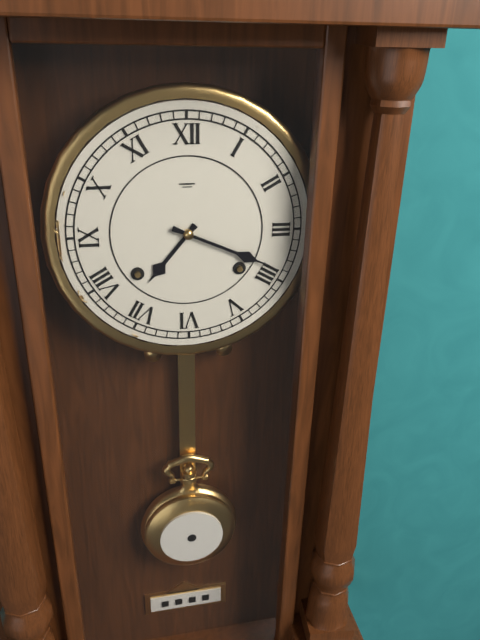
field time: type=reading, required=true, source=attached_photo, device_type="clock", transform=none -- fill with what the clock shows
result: 7:19
